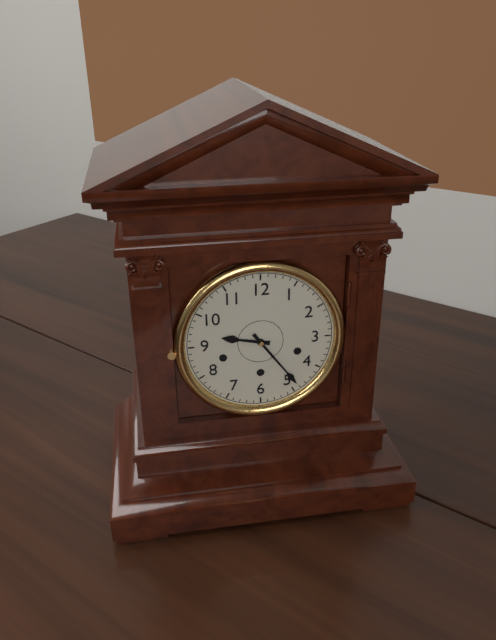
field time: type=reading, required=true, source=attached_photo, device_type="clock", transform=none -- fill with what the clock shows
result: 9:24
